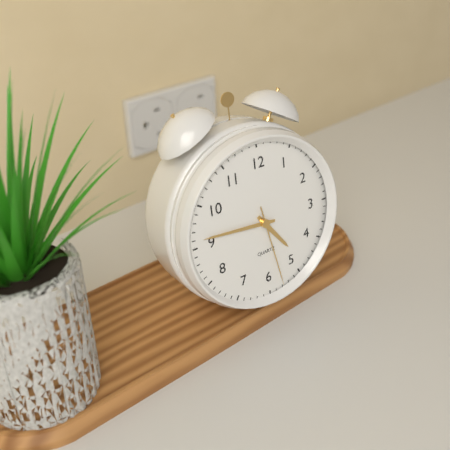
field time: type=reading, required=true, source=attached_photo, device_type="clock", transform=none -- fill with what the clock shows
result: 4:46:28
